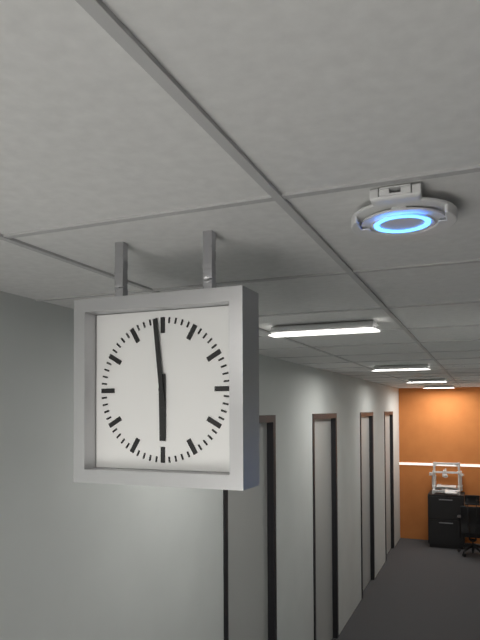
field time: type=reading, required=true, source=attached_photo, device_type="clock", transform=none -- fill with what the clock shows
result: 5:59
